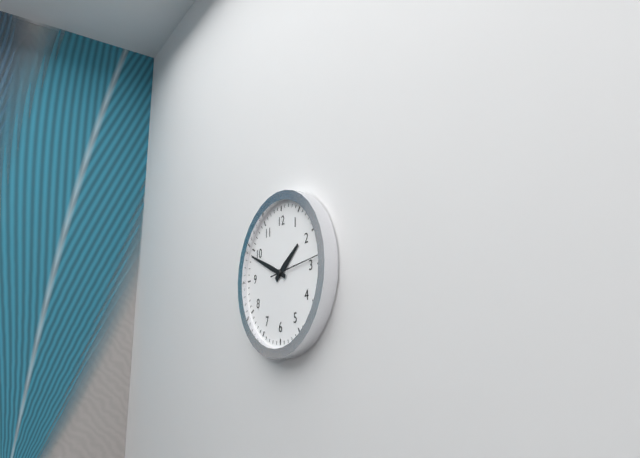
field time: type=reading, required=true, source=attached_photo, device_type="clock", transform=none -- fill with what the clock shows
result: 1:49:14
